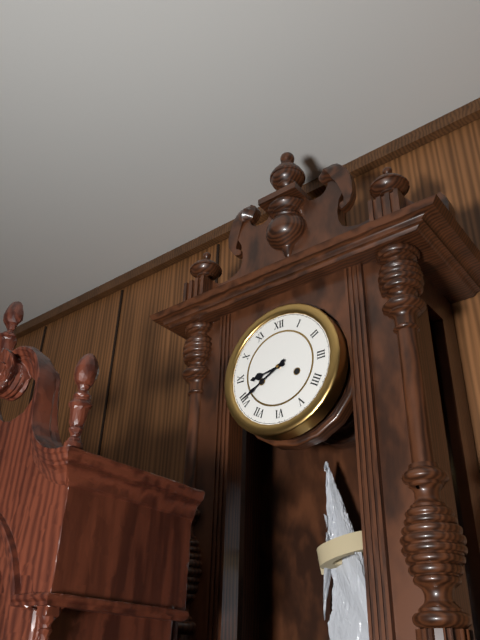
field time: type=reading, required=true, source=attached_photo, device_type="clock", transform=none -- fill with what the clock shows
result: 8:40
